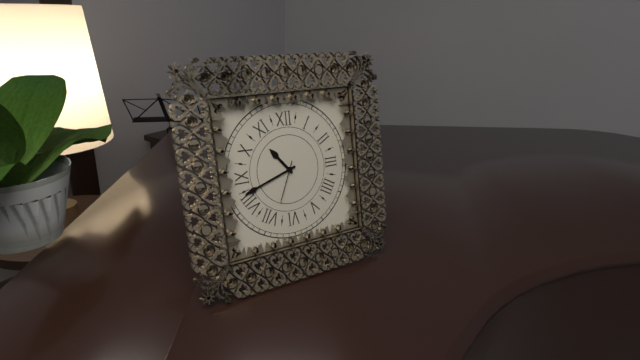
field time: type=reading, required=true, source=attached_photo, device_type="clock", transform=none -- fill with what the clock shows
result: 10:42
